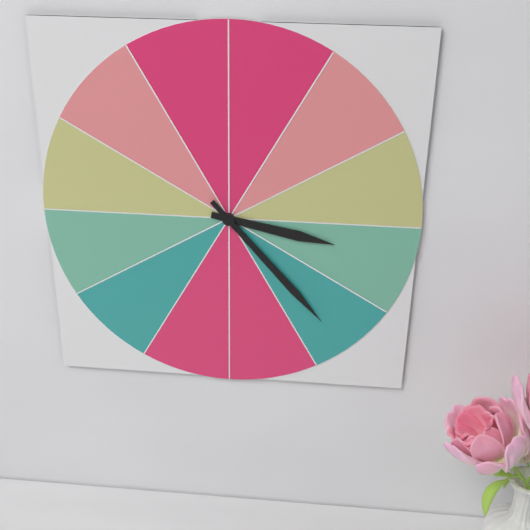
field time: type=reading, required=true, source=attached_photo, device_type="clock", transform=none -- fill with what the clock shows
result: 3:23
